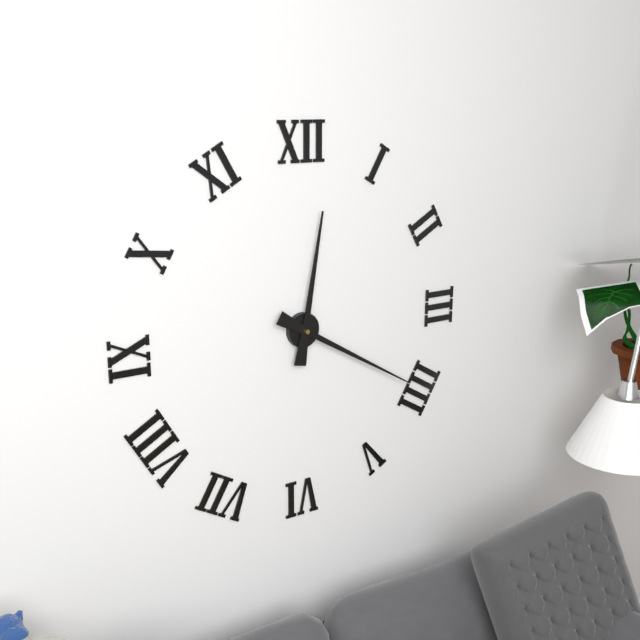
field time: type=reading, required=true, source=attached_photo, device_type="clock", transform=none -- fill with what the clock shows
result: 12:20
